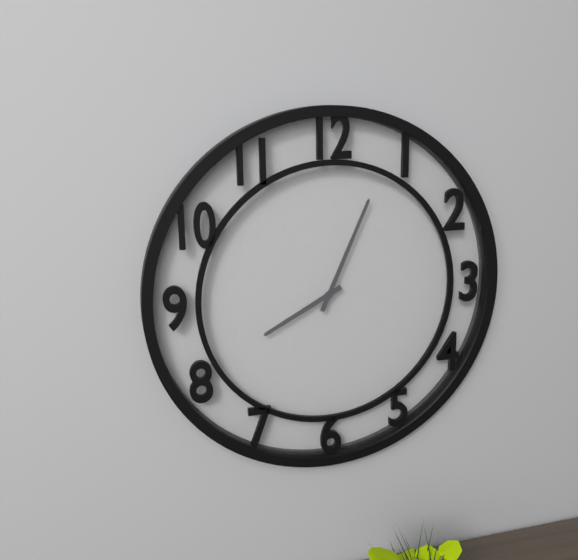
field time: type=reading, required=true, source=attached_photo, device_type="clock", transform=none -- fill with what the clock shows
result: 8:04
